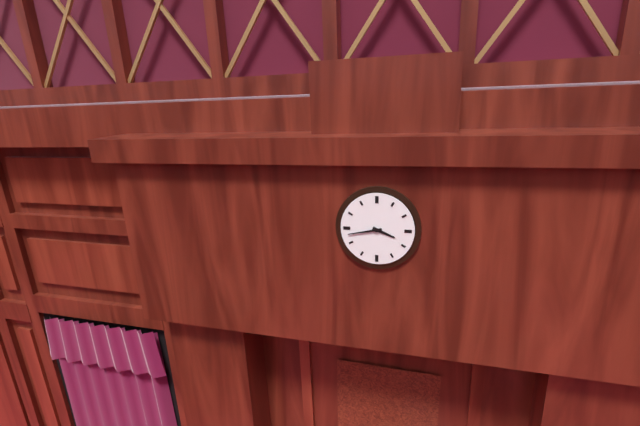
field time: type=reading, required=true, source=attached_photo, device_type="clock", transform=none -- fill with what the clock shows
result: 3:43
